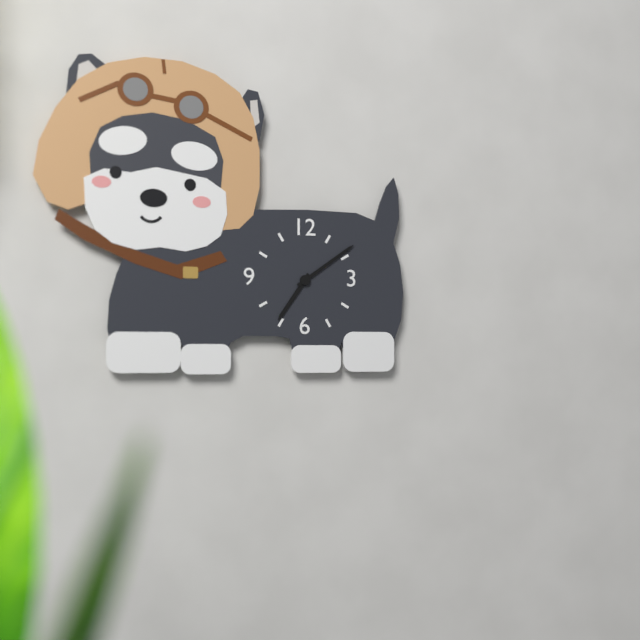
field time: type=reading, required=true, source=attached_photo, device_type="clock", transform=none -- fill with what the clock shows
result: 7:09
